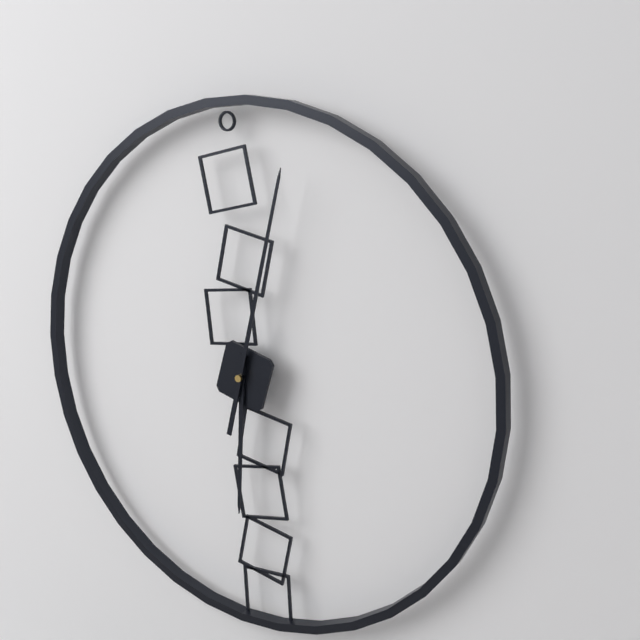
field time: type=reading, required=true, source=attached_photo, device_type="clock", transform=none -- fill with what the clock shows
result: 6:02
